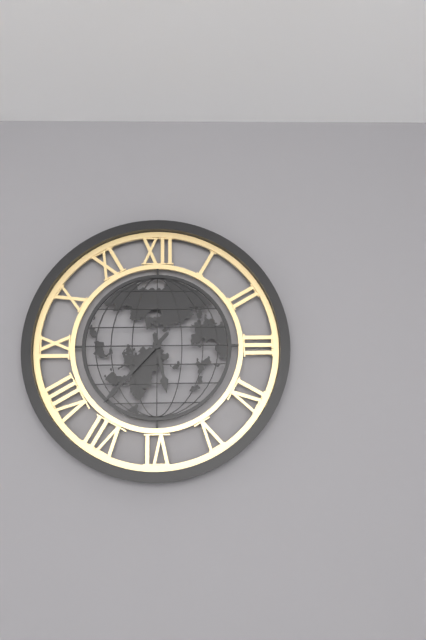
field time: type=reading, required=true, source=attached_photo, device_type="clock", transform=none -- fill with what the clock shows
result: 5:37
